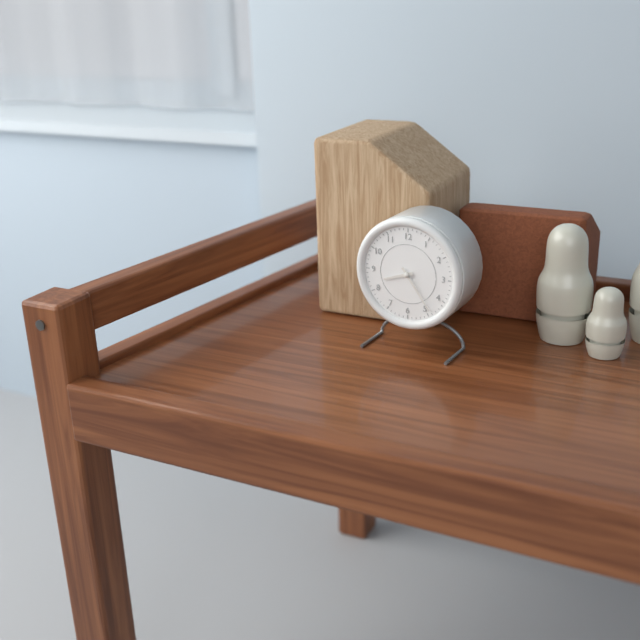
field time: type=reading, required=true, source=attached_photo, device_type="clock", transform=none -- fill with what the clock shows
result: 8:24
